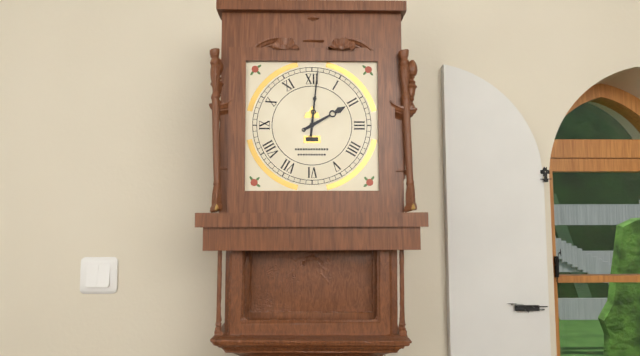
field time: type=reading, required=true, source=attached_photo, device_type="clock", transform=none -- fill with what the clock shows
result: 2:01
